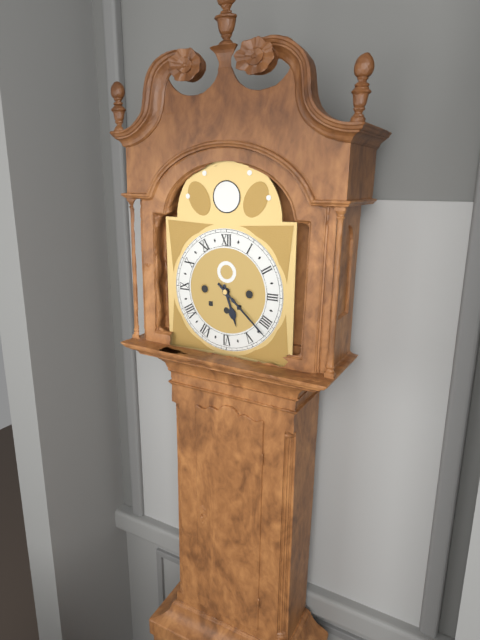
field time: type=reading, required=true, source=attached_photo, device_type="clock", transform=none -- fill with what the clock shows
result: 5:22
